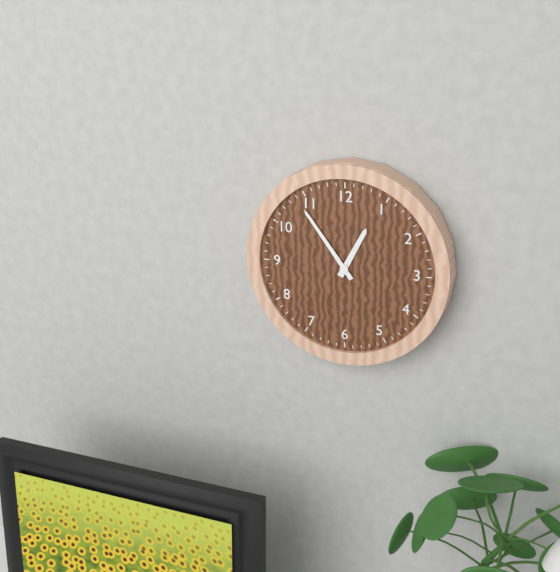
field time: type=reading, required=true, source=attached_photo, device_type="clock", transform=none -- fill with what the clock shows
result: 12:54
